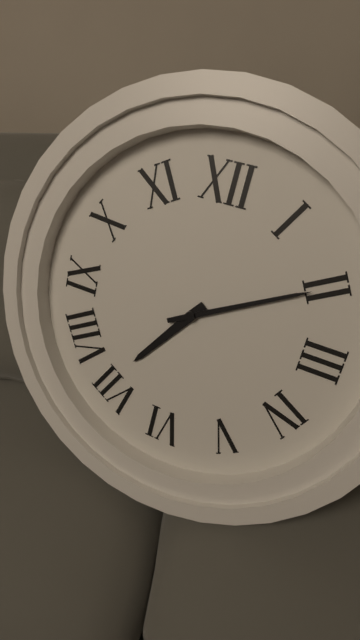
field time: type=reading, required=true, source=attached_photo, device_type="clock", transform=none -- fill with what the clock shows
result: 7:10
